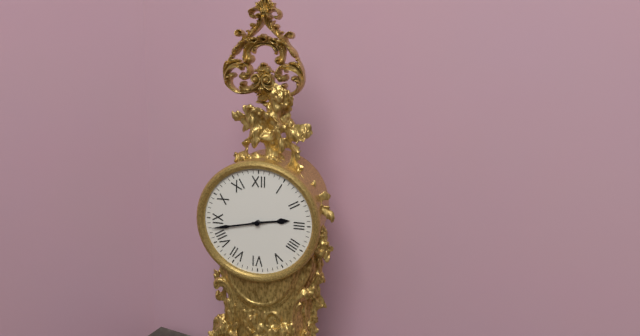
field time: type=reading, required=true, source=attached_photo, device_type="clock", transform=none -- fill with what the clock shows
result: 2:43
